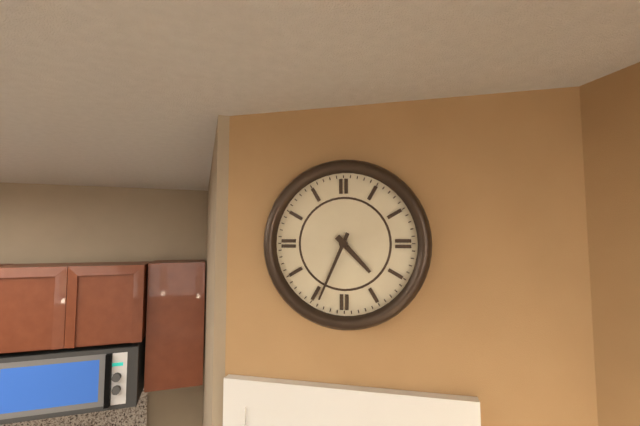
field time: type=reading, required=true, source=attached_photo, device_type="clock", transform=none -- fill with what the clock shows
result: 4:34
